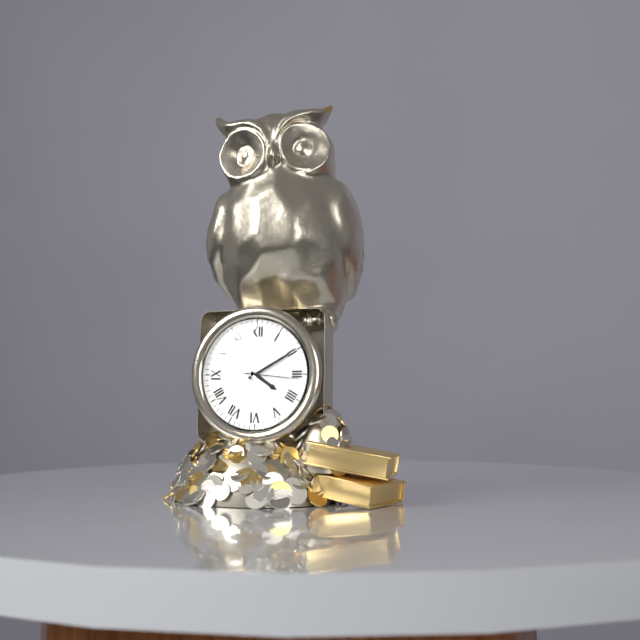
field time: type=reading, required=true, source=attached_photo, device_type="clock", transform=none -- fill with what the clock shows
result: 4:10
